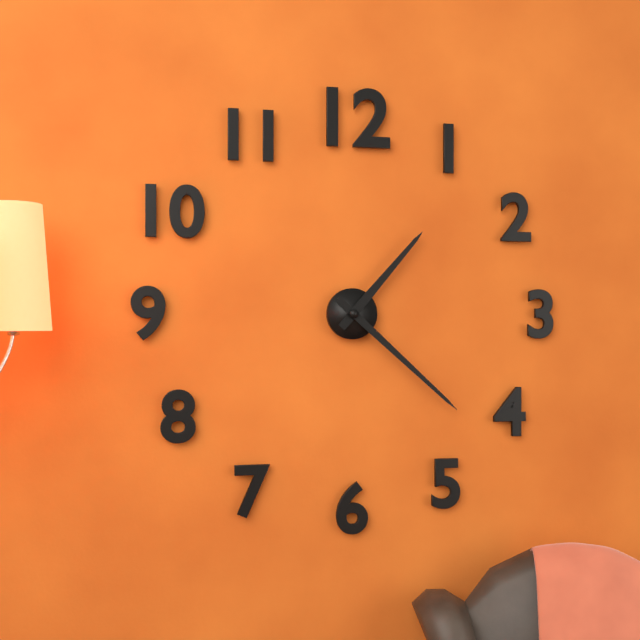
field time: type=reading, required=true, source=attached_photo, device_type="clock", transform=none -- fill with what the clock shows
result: 1:22
